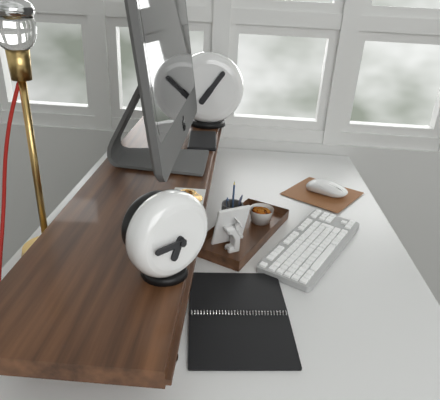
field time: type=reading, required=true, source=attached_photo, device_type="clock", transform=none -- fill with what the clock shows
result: 6:45
